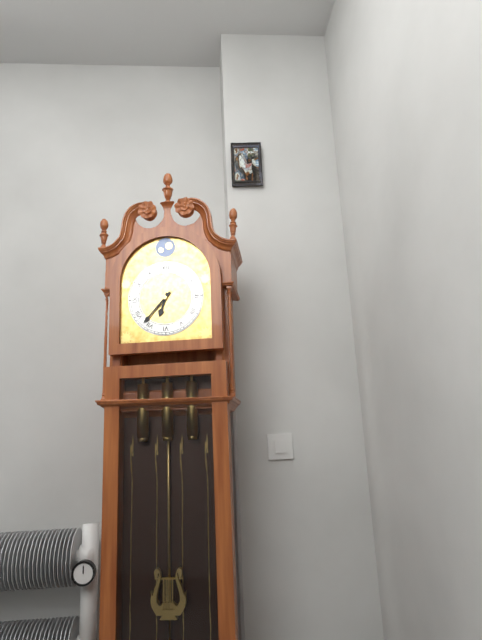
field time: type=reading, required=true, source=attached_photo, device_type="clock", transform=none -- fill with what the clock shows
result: 6:37
